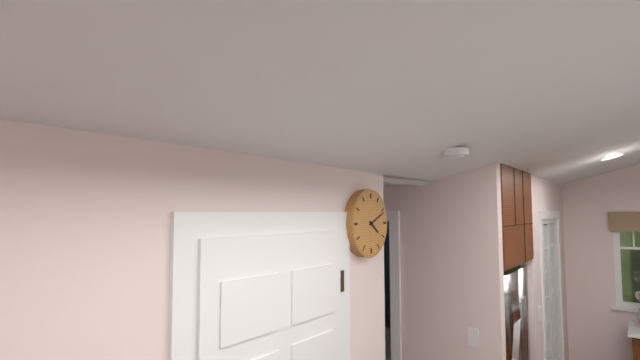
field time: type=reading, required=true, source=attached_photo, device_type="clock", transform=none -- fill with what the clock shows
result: 4:11
